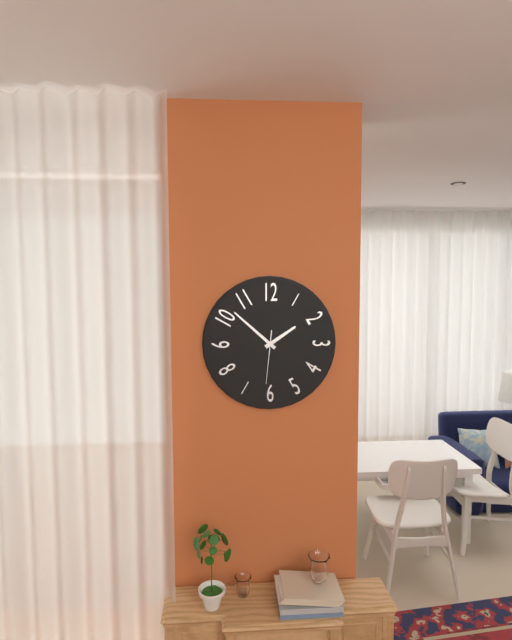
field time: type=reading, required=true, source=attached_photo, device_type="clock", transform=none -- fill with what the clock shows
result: 1:52:31
